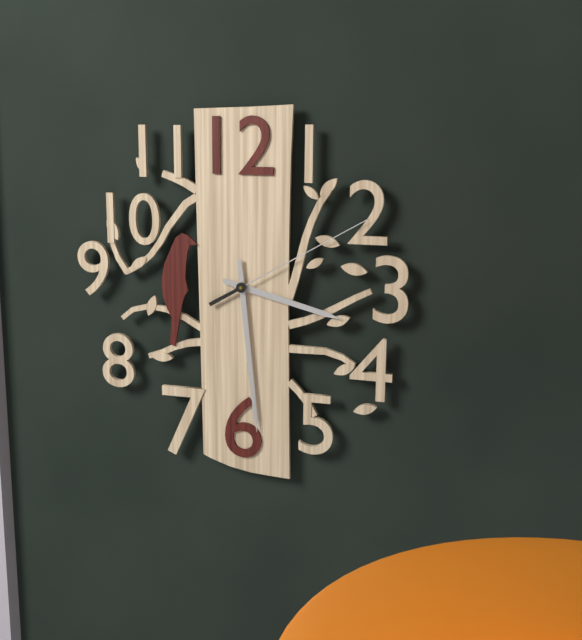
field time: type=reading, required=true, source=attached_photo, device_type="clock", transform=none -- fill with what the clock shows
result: 3:29:10
